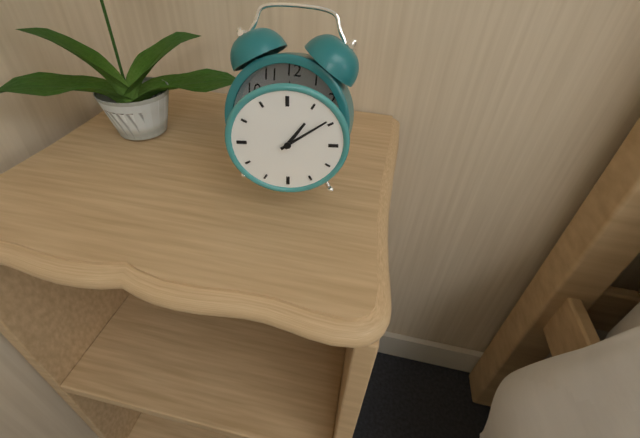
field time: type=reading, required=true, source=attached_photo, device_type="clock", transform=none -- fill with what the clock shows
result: 1:09
